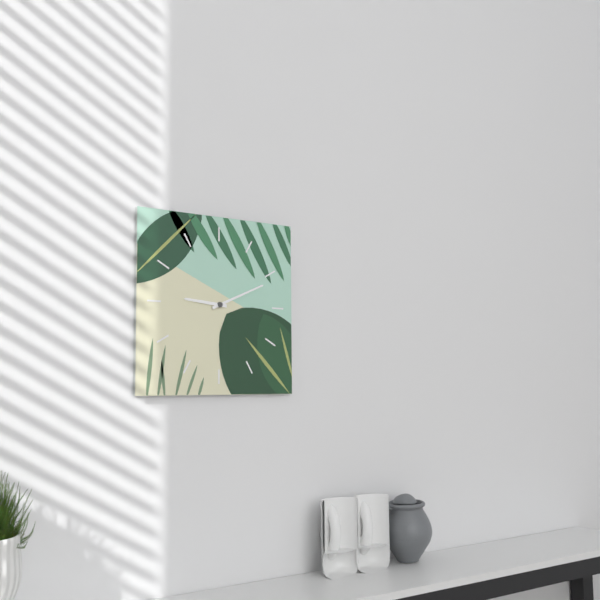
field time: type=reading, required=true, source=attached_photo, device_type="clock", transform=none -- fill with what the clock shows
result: 9:11
